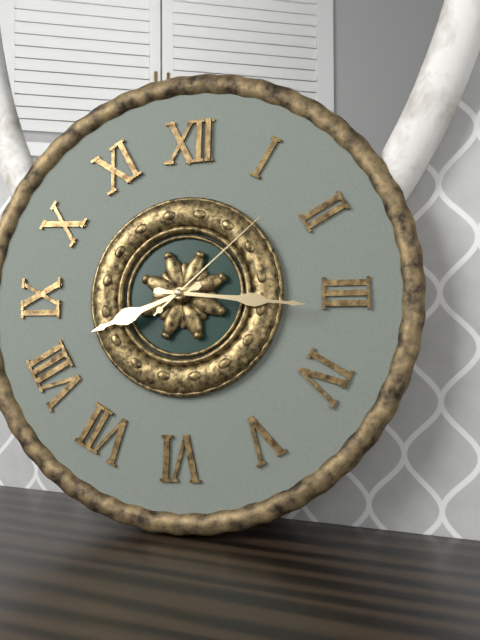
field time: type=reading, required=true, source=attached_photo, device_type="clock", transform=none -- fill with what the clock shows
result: 8:16:08
